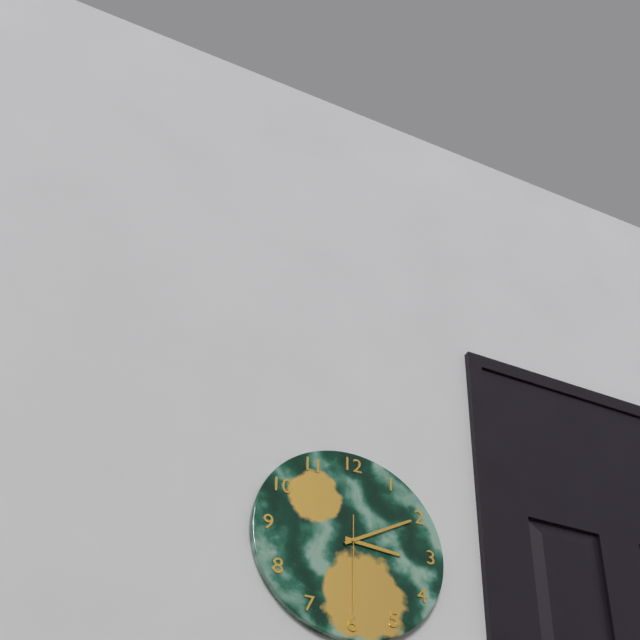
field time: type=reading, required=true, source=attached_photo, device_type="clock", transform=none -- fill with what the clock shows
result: 3:10:30
